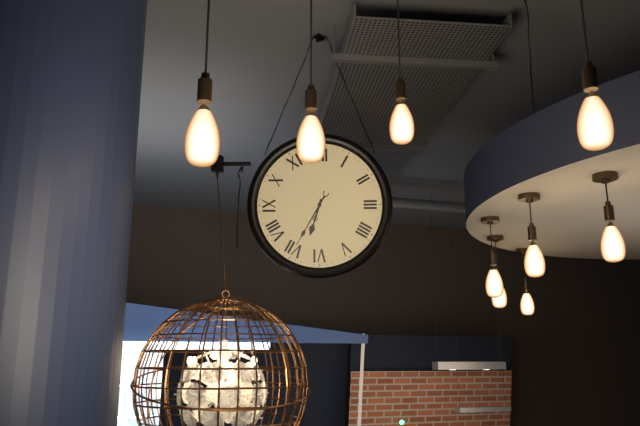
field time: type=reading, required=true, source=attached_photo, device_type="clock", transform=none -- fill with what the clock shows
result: 6:35
